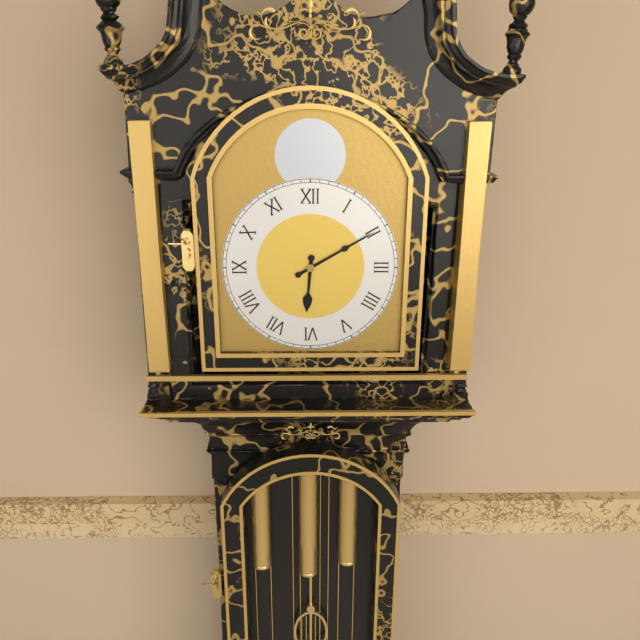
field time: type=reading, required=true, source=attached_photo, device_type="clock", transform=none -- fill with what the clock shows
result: 6:10
